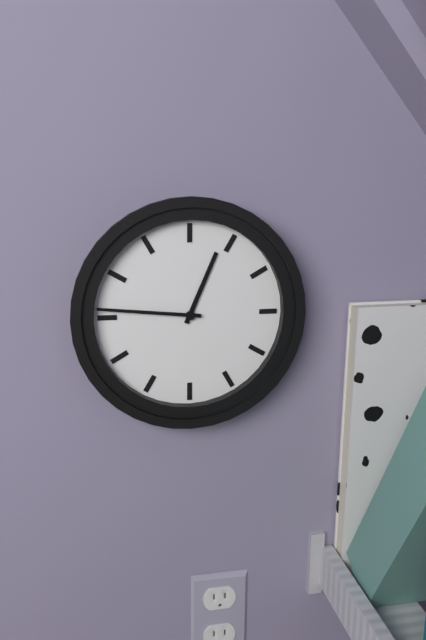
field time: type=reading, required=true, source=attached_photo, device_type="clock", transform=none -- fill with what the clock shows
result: 12:46
